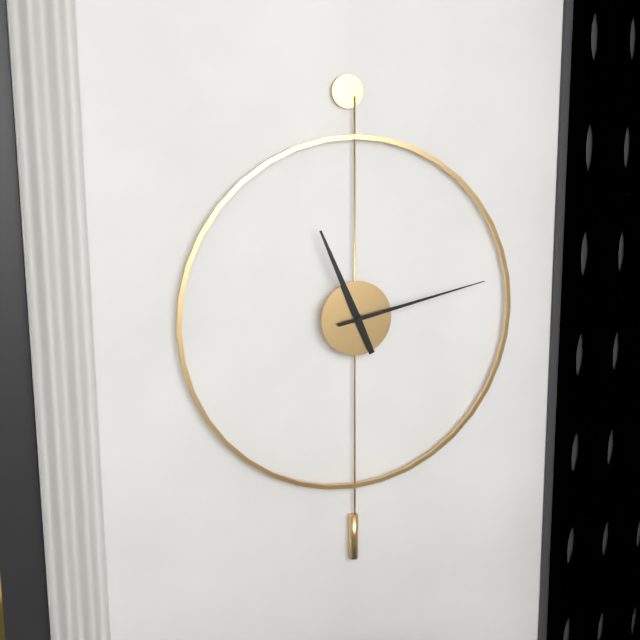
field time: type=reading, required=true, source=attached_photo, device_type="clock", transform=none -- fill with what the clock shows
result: 11:13
